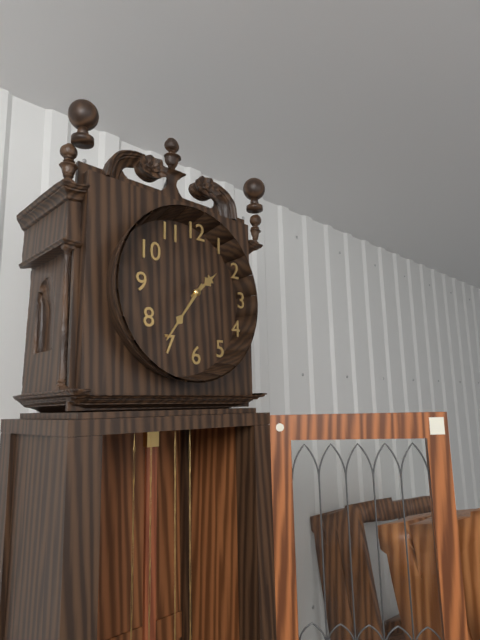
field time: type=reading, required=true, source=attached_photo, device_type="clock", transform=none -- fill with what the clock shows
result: 1:36
